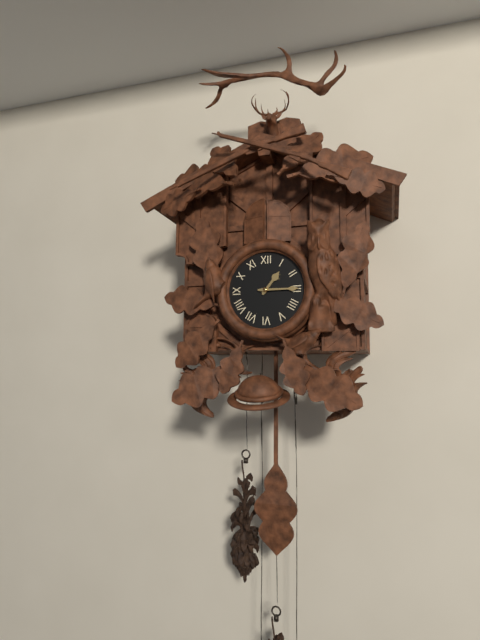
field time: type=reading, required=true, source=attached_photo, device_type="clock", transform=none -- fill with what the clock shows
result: 1:15
